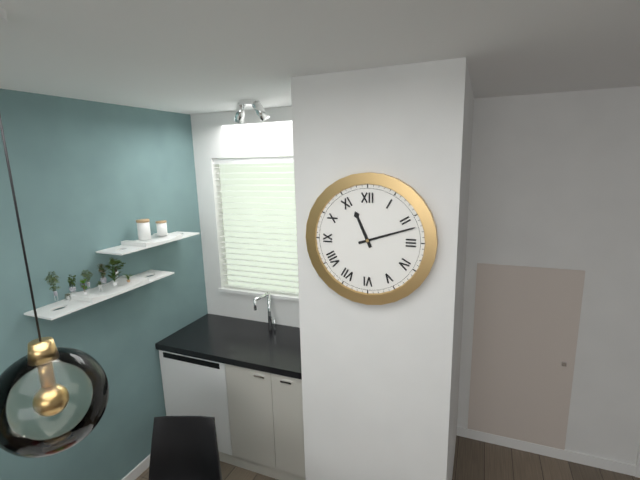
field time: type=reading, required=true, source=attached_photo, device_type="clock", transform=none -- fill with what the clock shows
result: 11:12
